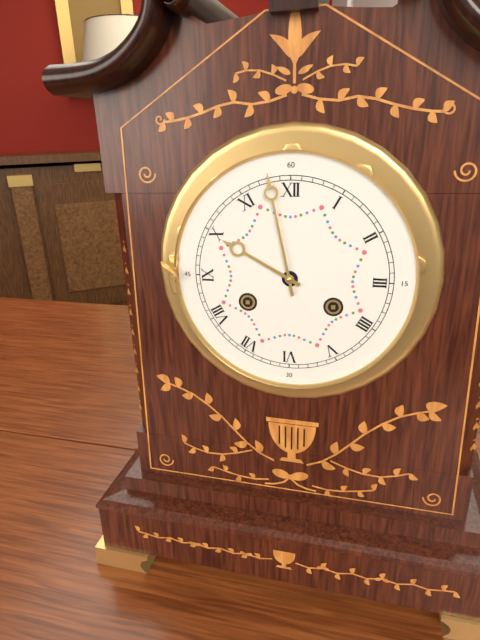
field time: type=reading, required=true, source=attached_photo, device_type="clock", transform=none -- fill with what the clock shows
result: 9:58
